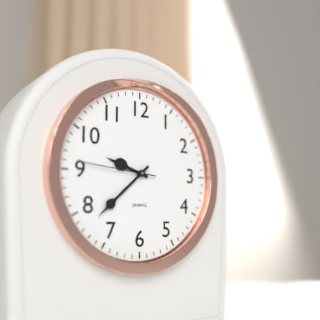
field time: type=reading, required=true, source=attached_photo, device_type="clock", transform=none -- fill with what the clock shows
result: 9:38:46
